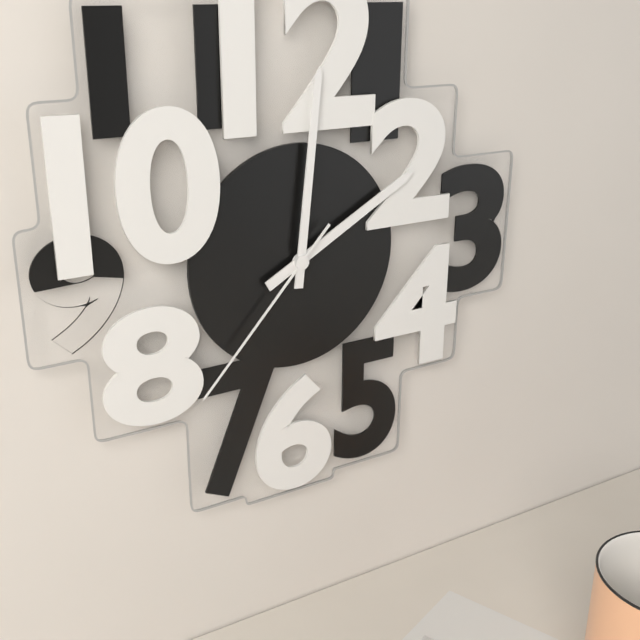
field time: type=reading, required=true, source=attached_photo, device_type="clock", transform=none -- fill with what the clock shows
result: 2:01:37
